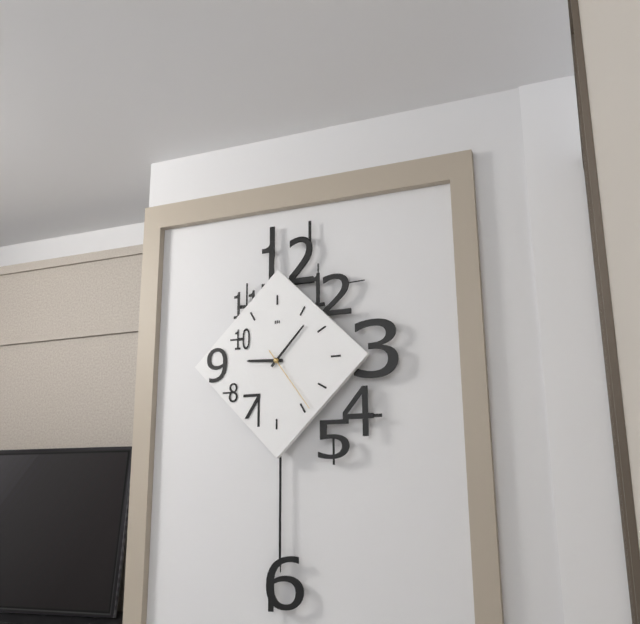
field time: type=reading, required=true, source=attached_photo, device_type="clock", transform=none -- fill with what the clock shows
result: 9:07:24
